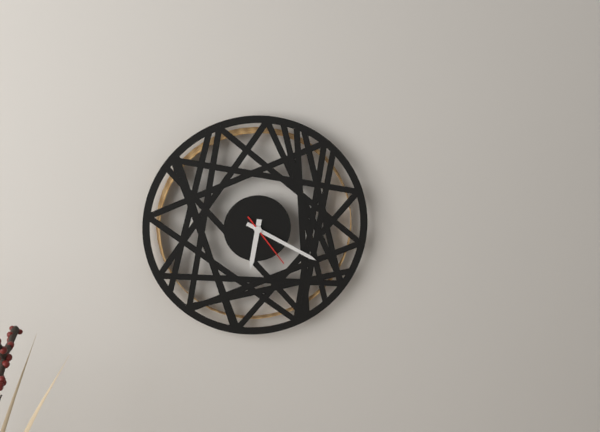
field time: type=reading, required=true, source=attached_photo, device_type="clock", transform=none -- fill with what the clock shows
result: 6:20:24
